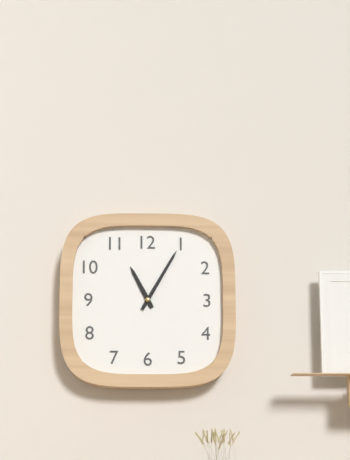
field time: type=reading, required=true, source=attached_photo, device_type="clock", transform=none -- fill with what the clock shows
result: 11:05
